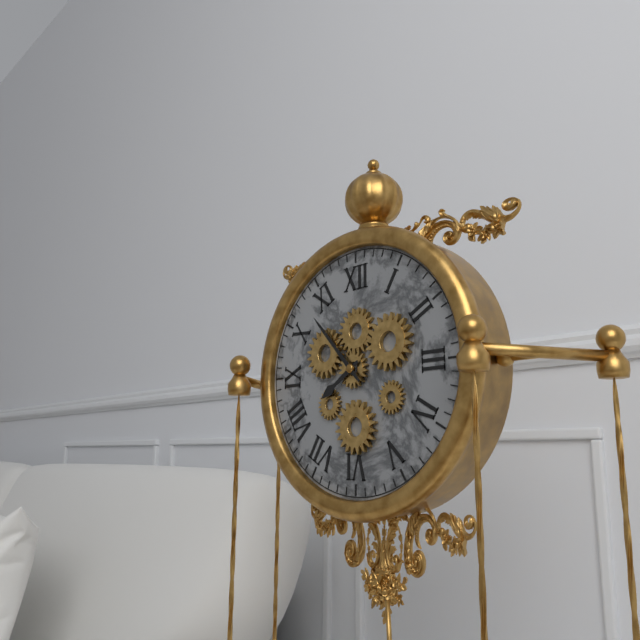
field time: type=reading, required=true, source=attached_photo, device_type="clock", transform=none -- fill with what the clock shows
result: 7:53
